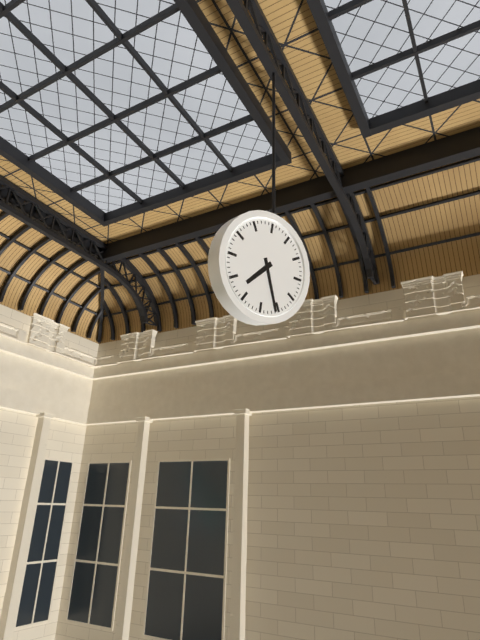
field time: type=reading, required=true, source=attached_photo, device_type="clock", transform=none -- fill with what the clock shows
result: 7:26
